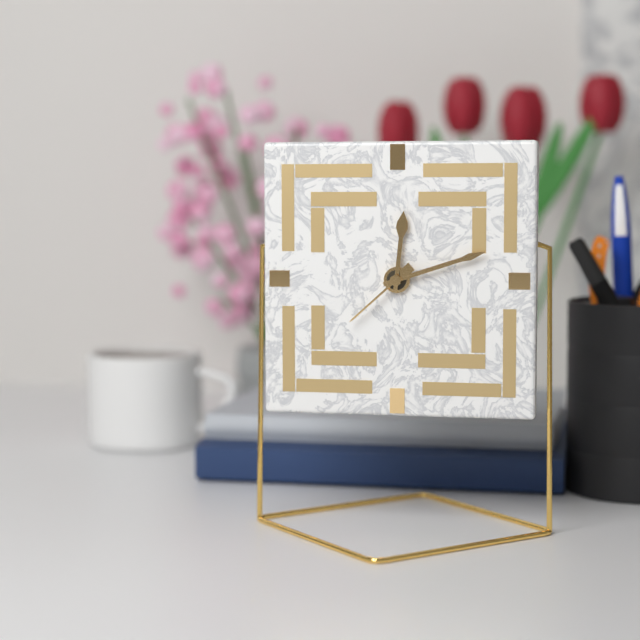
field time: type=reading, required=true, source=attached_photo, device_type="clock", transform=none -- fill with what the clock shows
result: 12:12:38
